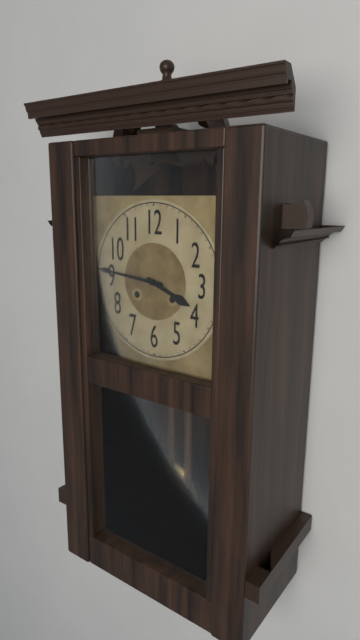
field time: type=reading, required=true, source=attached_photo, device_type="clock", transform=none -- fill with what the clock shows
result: 3:46
